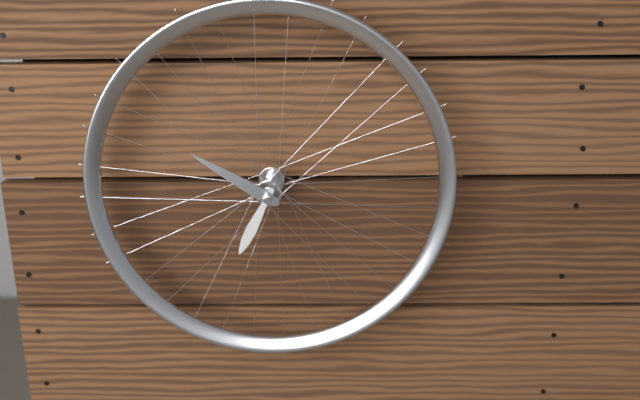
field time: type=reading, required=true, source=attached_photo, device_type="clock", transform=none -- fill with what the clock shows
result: 6:50
